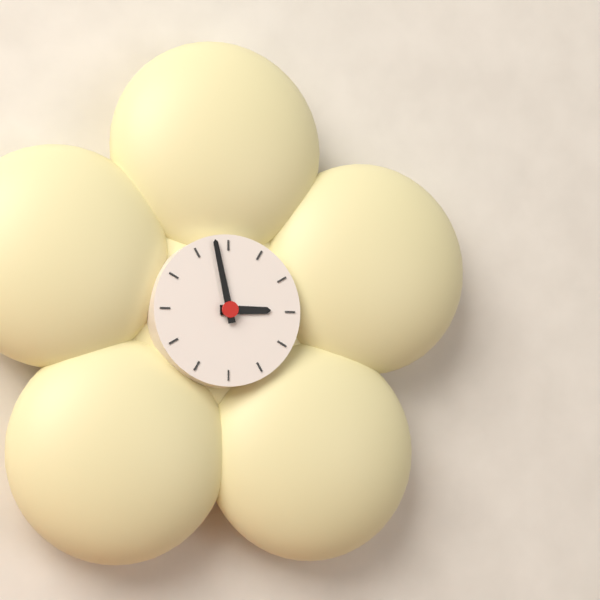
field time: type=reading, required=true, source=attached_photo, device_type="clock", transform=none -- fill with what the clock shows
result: 2:58
